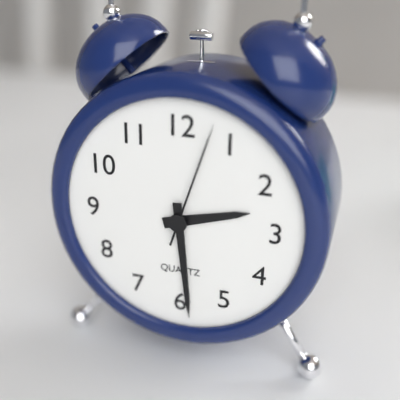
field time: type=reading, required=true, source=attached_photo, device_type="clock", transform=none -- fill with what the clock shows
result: 2:29:03
